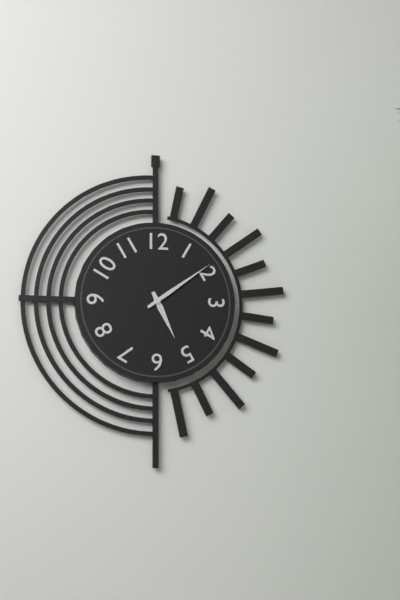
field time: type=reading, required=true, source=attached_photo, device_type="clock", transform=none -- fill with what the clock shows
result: 5:09
